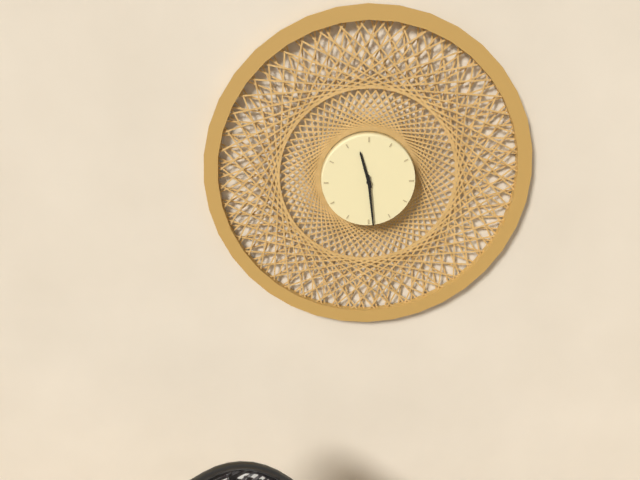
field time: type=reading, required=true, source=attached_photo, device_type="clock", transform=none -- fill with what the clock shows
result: 11:29
